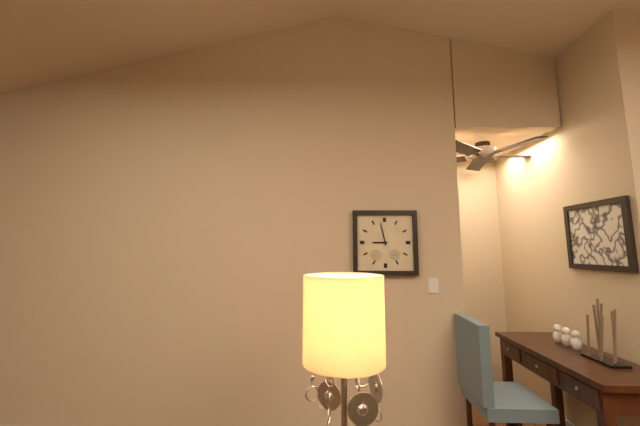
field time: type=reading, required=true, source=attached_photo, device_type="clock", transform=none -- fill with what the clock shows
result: 8:58
